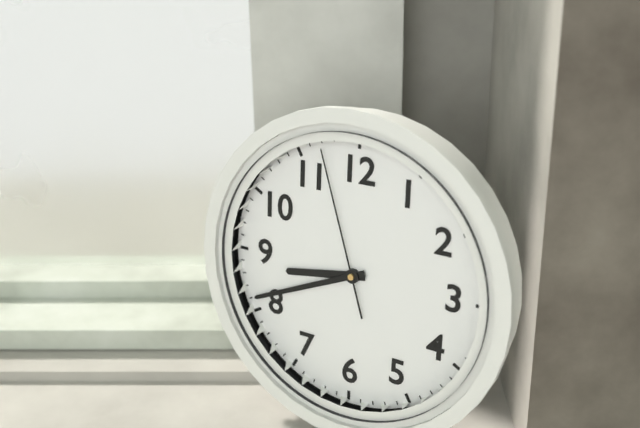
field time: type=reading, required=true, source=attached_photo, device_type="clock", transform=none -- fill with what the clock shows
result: 8:41:57
